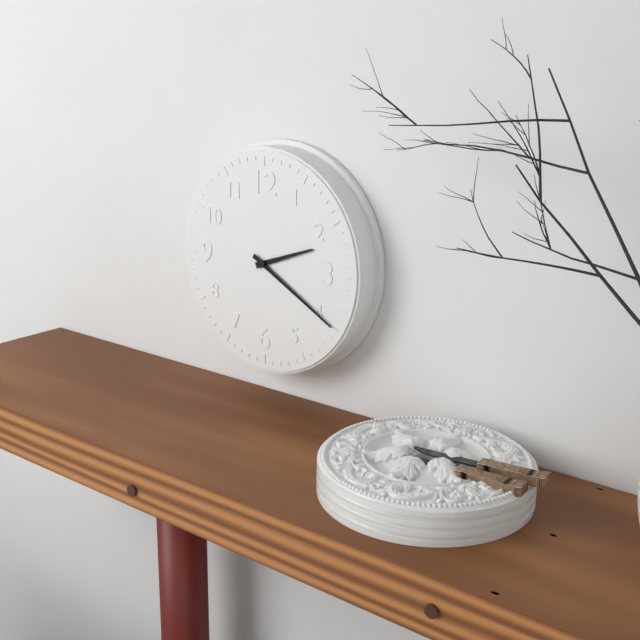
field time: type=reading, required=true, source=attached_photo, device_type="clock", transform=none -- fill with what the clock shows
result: 2:20
